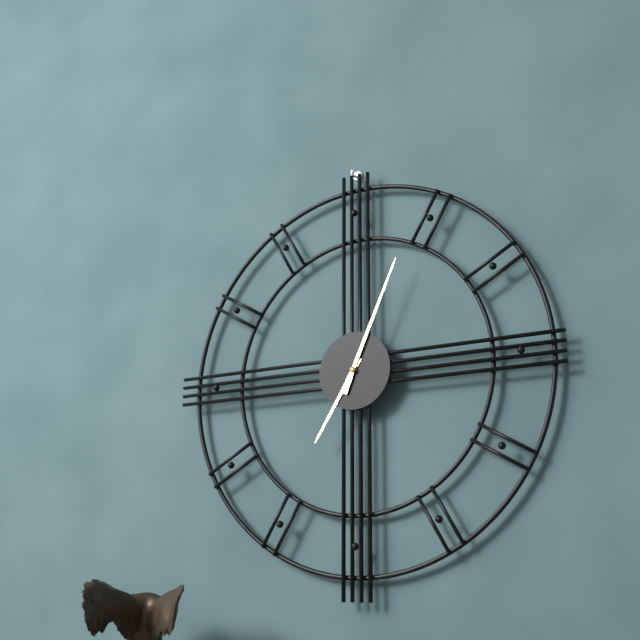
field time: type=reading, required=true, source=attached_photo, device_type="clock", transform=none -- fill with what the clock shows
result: 7:04
